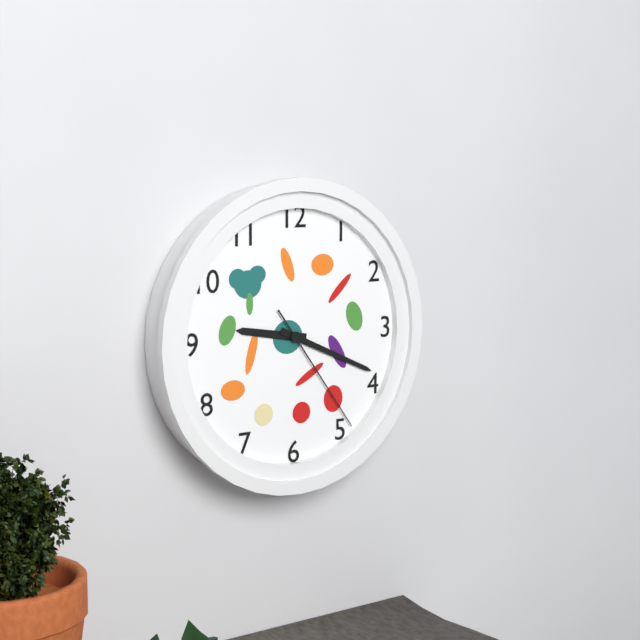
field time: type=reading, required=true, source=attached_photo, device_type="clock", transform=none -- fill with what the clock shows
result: 9:19:24
